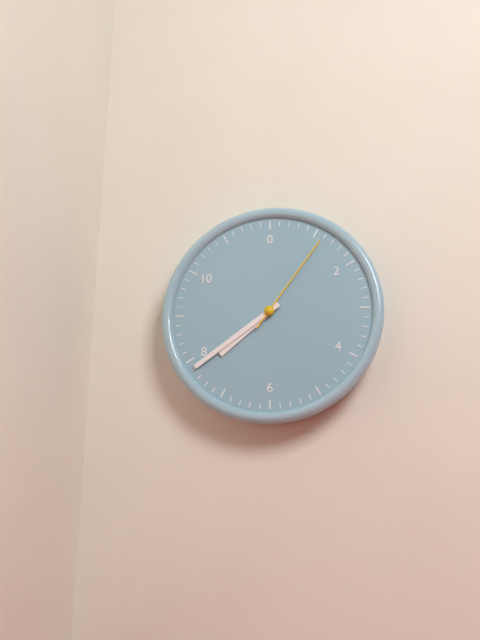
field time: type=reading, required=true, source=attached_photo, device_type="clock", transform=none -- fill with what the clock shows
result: 7:39:06
